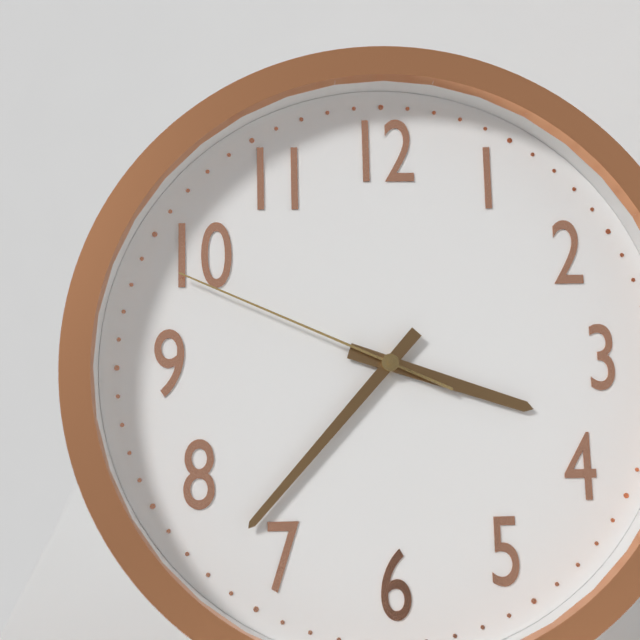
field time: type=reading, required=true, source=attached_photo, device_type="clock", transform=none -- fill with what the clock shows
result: 3:37:49
